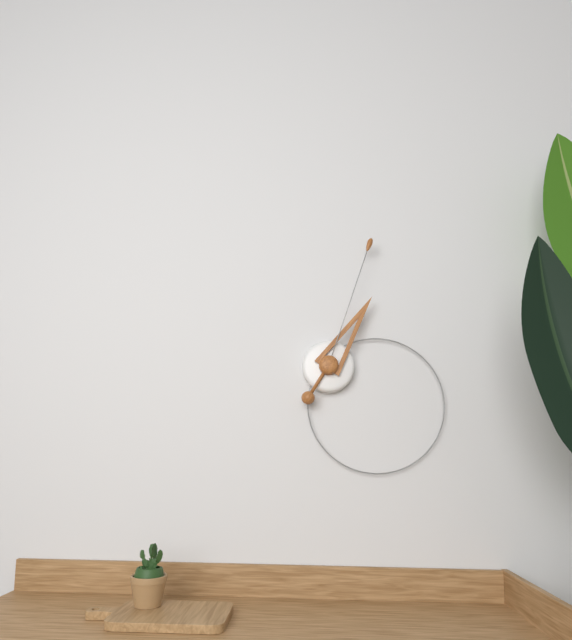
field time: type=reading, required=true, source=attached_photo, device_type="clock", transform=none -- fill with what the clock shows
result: 1:03
